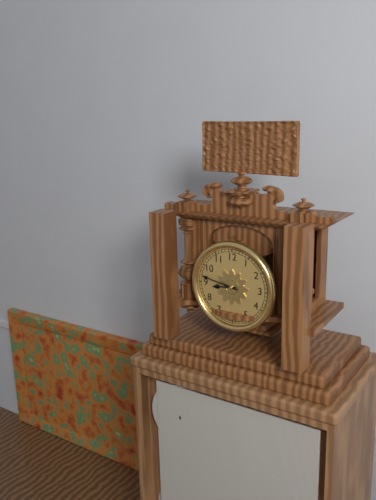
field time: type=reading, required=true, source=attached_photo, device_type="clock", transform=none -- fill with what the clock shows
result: 8:47
